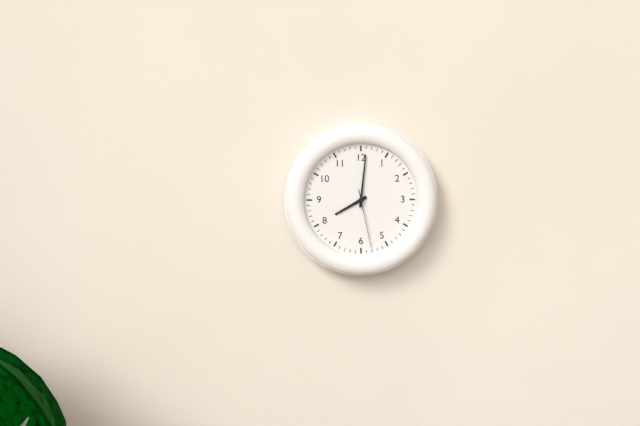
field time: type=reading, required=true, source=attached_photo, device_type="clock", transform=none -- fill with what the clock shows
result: 8:01:28
